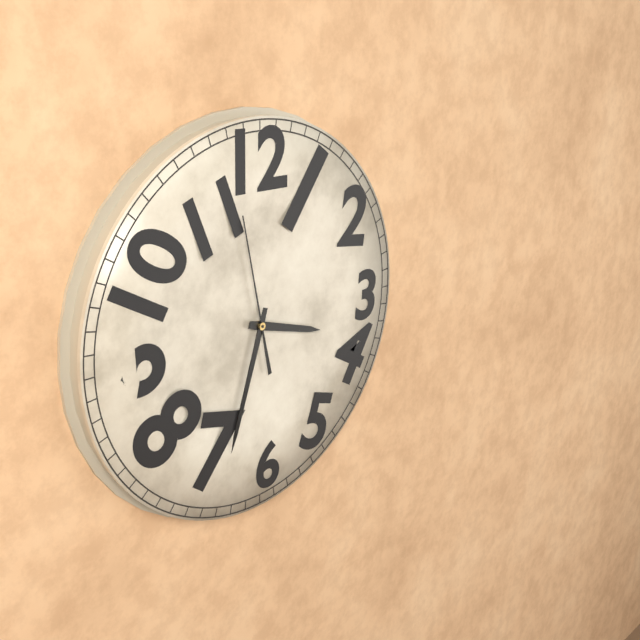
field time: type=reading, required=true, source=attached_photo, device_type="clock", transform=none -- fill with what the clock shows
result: 3:33:58
